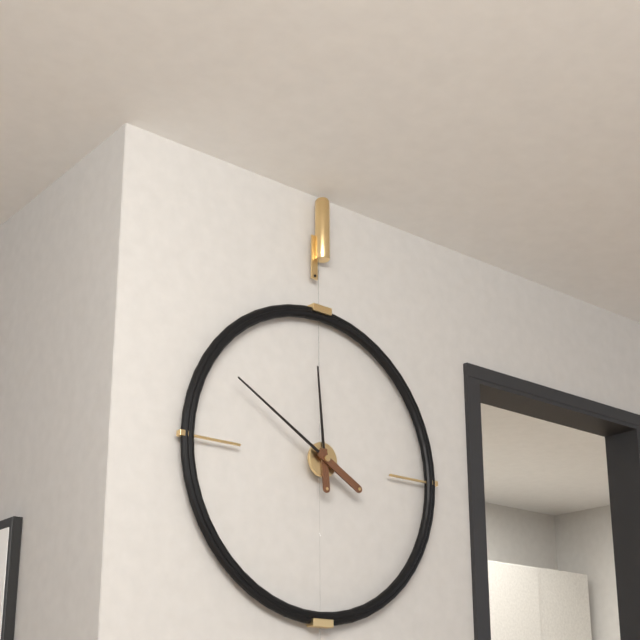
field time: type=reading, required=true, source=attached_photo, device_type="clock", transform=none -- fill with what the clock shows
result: 11:50
